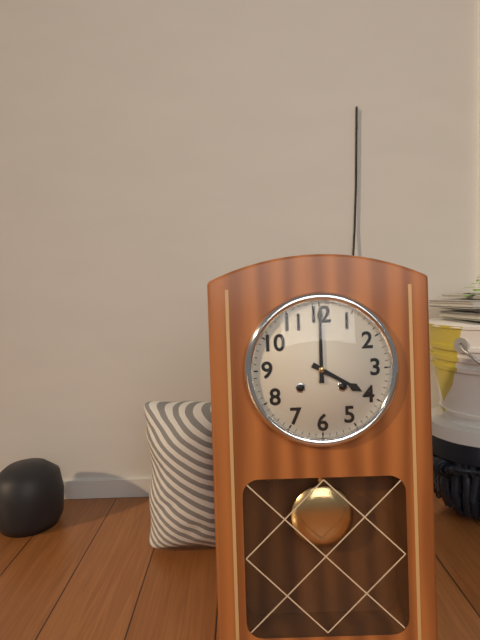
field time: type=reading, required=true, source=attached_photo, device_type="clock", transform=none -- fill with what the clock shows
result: 4:00
